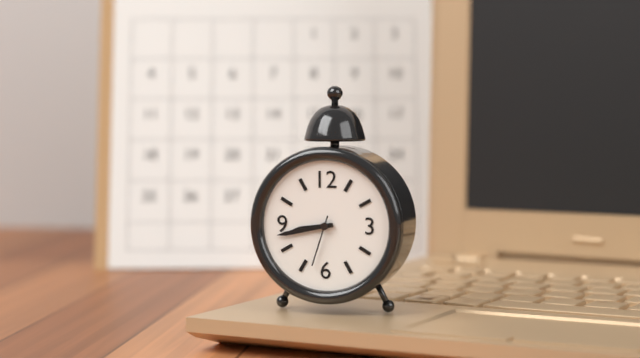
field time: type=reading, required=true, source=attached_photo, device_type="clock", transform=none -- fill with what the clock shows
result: 8:43:33
